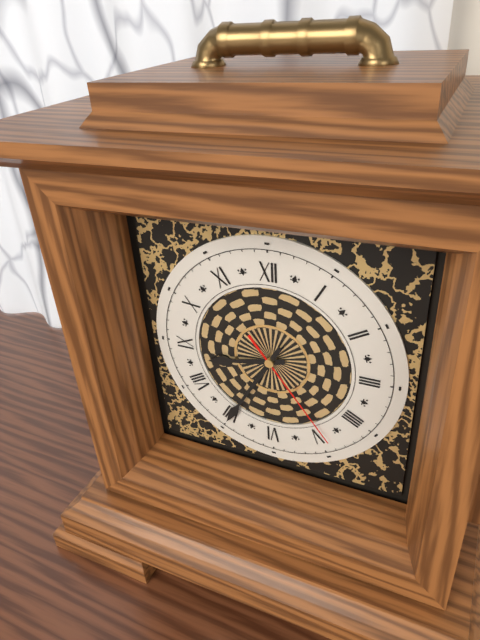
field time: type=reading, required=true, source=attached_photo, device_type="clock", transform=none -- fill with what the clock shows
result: 8:35:24
